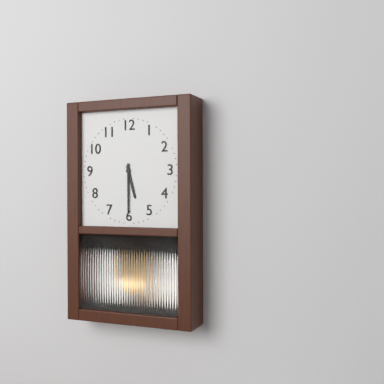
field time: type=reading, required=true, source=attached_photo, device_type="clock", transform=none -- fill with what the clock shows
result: 5:30
